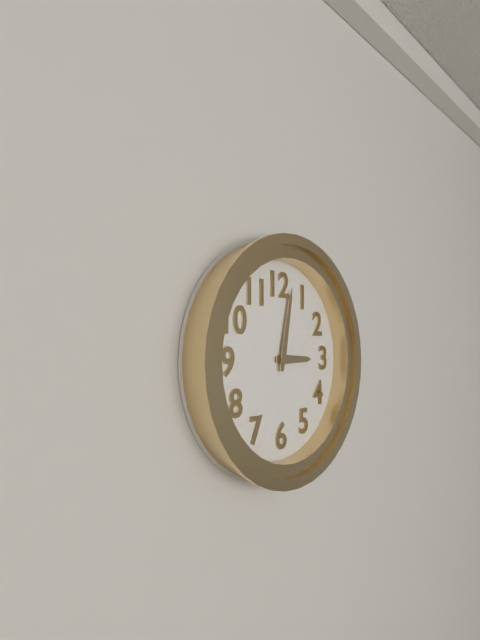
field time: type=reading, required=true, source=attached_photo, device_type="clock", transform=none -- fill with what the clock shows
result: 3:02
